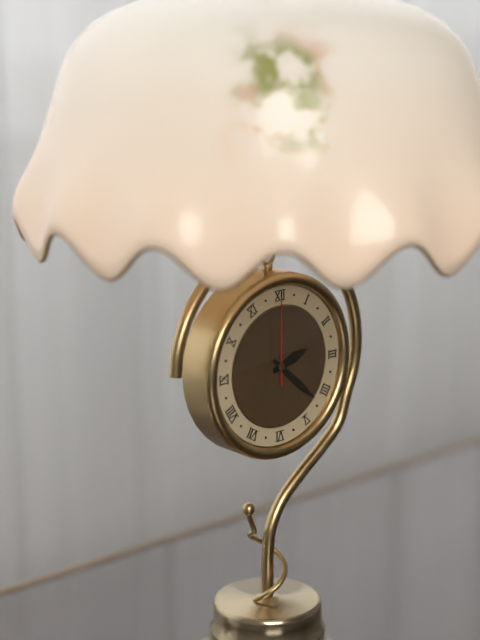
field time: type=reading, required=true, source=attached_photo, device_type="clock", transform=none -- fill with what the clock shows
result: 2:22:00
